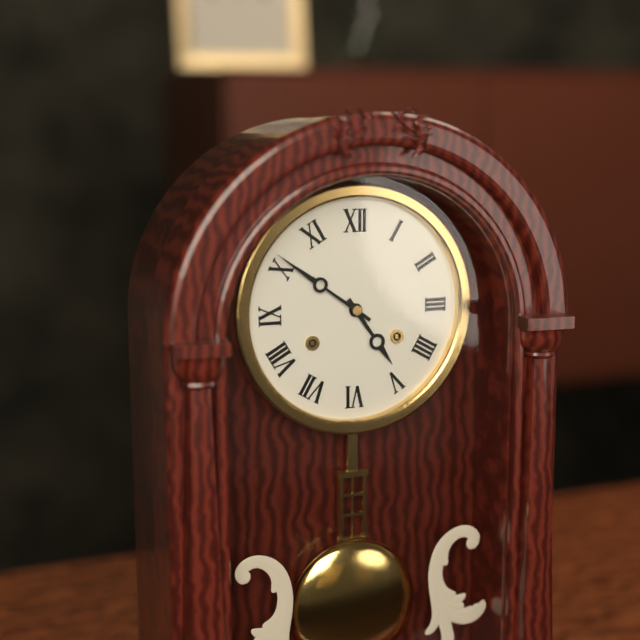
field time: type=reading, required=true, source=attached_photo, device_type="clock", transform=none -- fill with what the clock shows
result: 4:51
